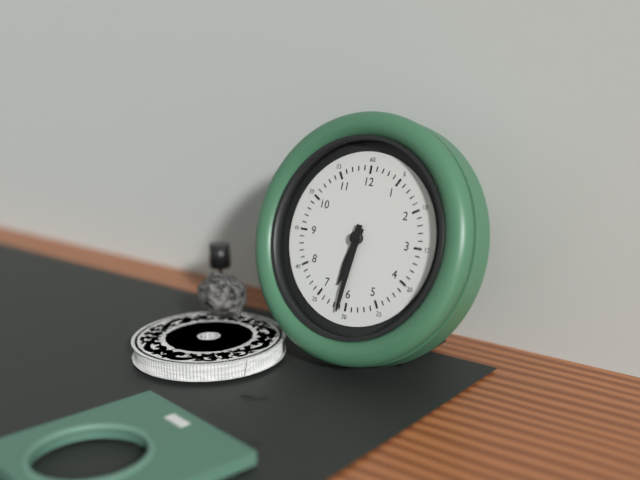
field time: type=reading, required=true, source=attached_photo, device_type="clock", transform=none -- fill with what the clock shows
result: 6:31
